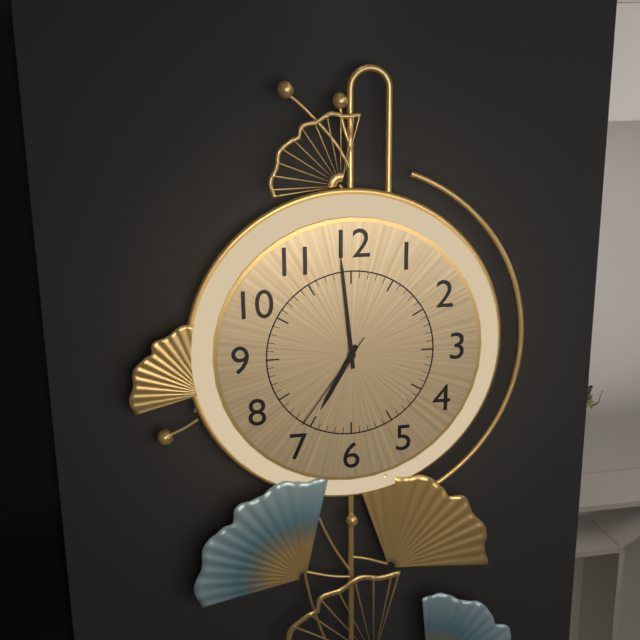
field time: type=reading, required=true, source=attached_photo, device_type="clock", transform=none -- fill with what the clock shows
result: 6:59:36
